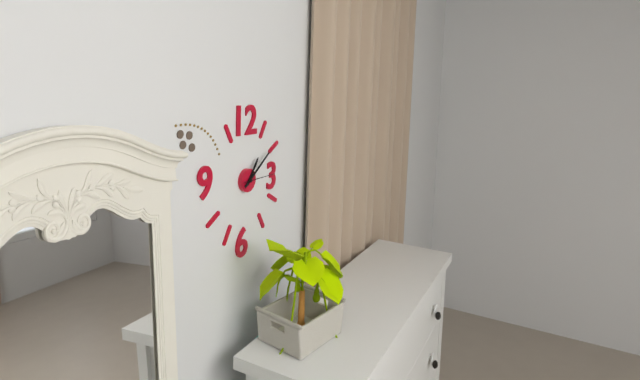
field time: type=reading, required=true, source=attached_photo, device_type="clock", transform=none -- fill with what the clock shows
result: 1:09
